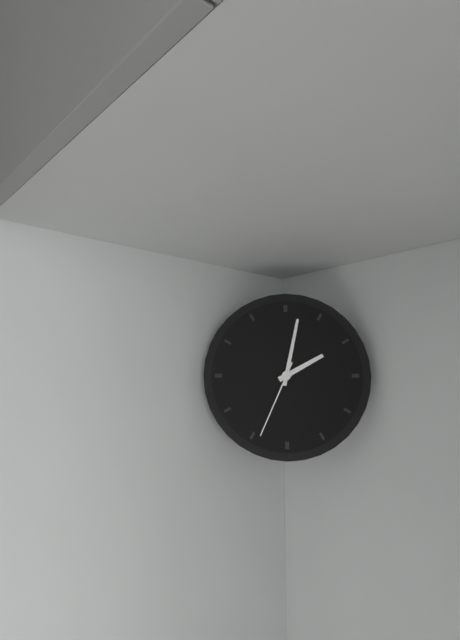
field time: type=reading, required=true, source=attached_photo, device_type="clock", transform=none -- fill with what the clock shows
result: 2:02:34
